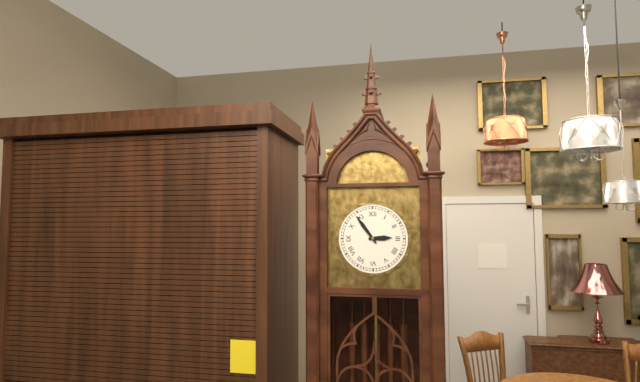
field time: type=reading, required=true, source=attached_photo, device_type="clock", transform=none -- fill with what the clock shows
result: 2:54
